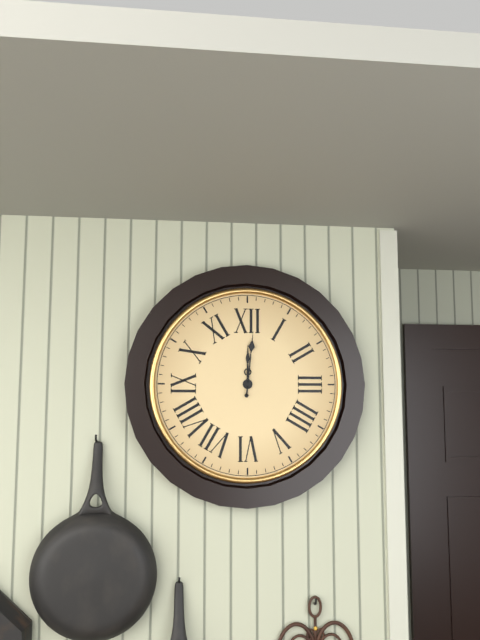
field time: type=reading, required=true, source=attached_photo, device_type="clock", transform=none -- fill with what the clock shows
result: 12:01
